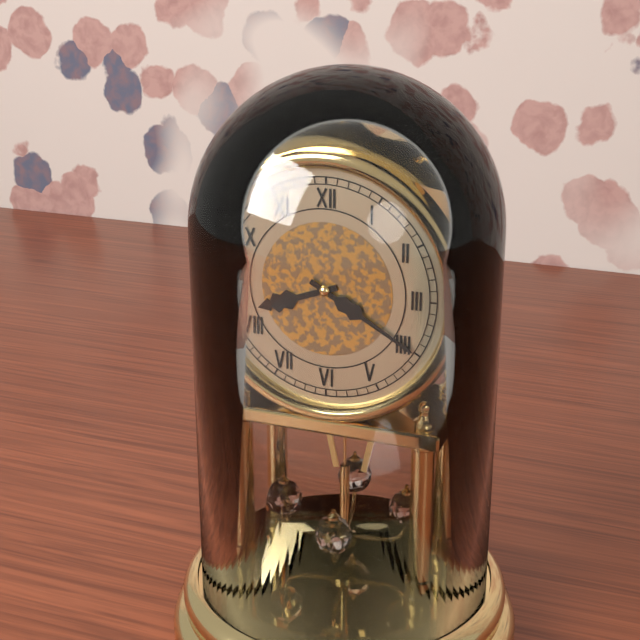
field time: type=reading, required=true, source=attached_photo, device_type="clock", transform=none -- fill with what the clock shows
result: 8:20
